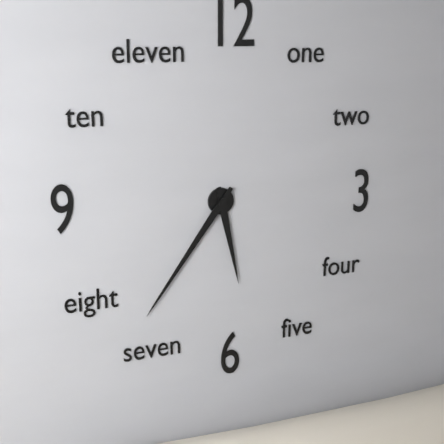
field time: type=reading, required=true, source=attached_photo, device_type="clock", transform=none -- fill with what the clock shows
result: 5:36
